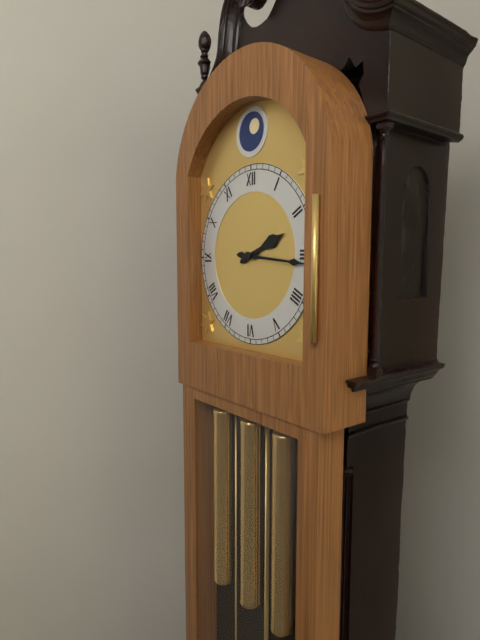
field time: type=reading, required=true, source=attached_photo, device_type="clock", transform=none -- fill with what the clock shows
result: 2:16
